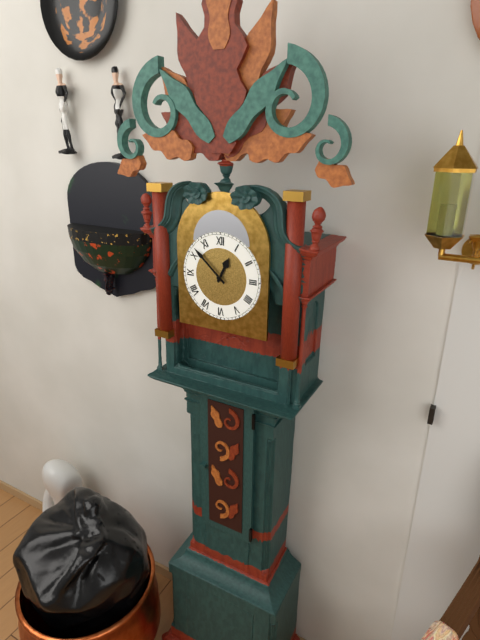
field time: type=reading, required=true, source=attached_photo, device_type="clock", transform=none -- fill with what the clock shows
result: 12:52
